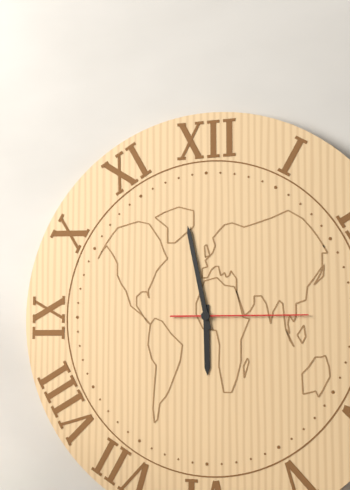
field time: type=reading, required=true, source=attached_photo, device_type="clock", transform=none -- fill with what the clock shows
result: 5:58:15
